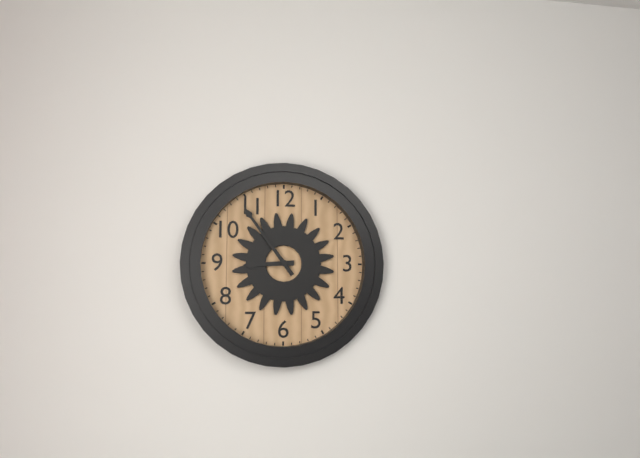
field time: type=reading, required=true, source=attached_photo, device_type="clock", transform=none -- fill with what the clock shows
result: 8:54
